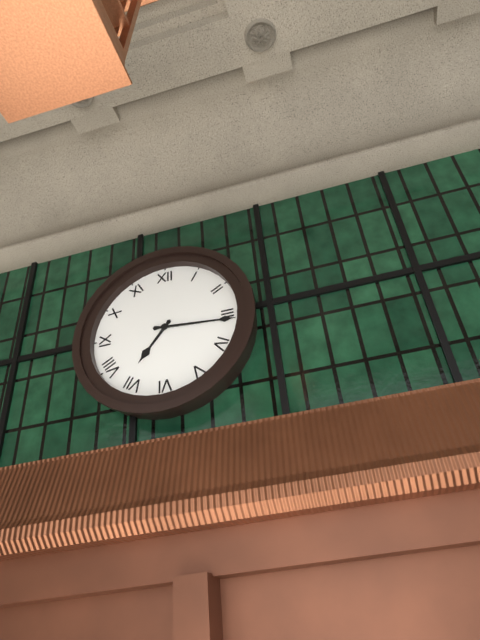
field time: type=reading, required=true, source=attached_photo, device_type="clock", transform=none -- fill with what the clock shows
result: 7:16
